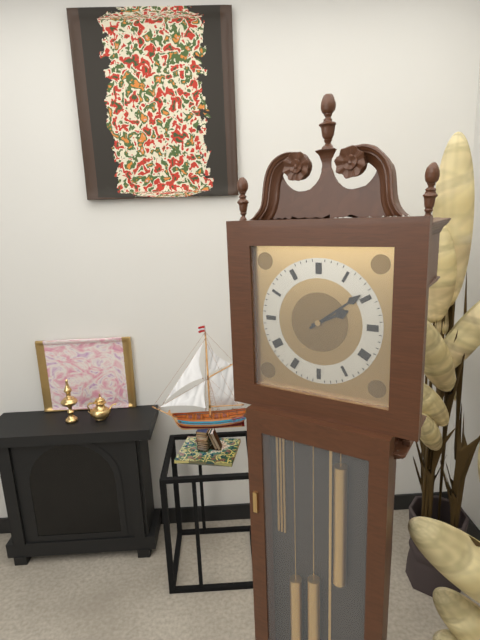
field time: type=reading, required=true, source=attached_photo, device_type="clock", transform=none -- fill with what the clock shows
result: 2:09
